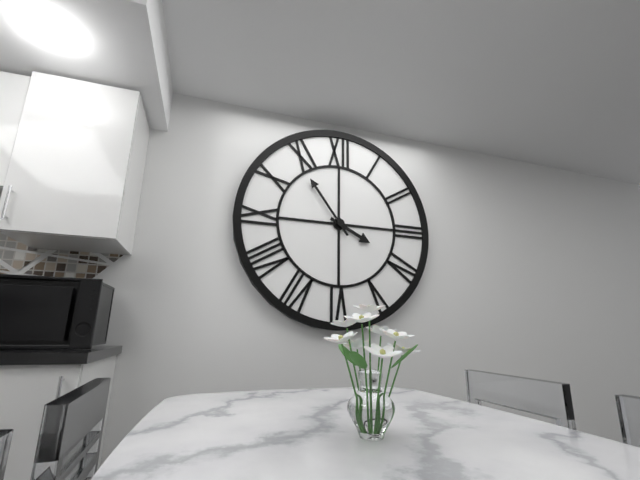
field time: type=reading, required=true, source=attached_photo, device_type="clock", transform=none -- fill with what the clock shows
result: 3:54
